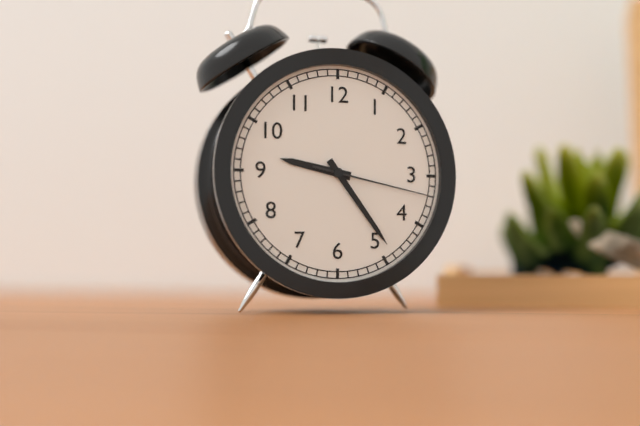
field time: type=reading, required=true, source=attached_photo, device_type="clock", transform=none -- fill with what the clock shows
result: 9:24:17
